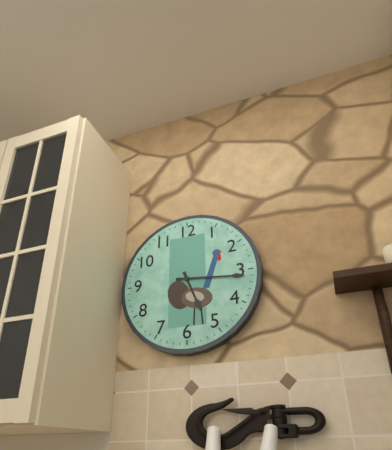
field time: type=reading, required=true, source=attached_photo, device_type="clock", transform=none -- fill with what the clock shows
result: 5:16
